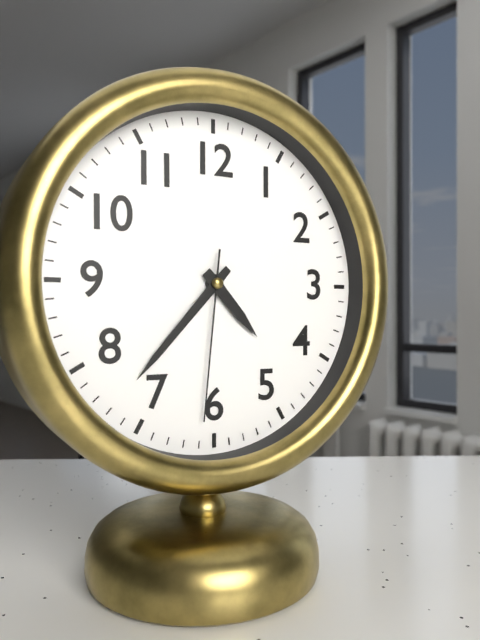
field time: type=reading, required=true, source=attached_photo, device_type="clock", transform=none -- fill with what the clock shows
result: 4:37:31
